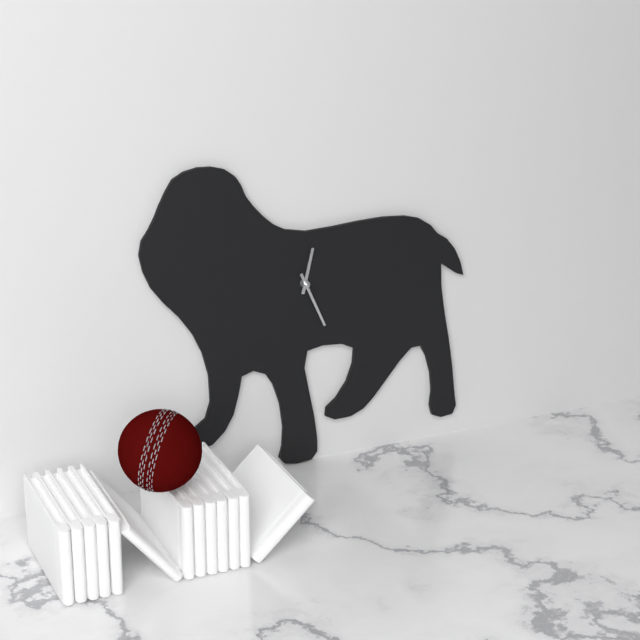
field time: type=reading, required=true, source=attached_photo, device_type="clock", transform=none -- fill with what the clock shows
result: 12:26
